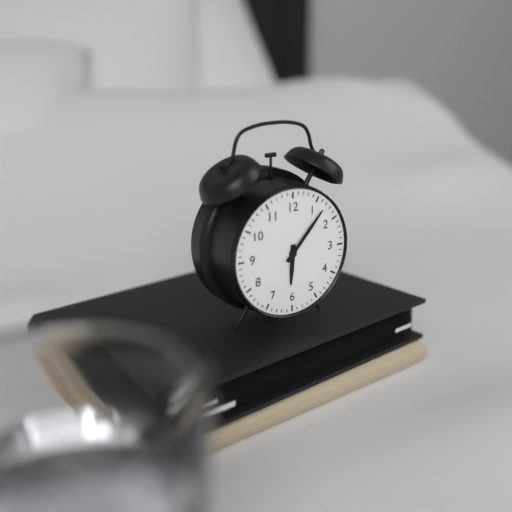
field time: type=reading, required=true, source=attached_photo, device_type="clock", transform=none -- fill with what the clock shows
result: 6:07
